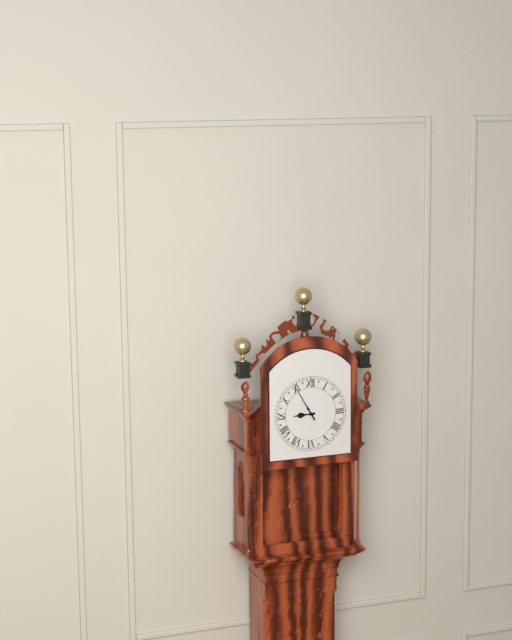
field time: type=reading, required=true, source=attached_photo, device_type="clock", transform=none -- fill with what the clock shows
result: 8:55
